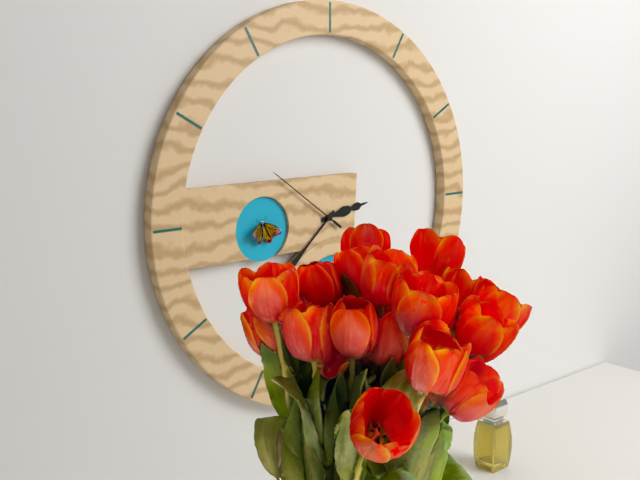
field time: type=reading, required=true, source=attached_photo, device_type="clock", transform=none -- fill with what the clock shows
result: 2:38:51
